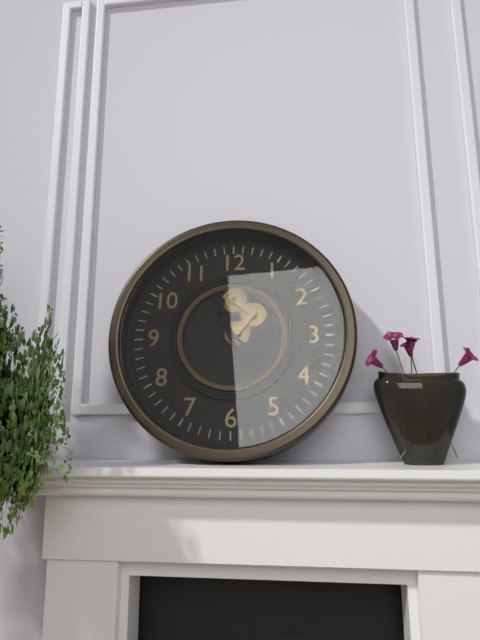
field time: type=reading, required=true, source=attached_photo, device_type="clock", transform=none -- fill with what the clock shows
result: 11:22
